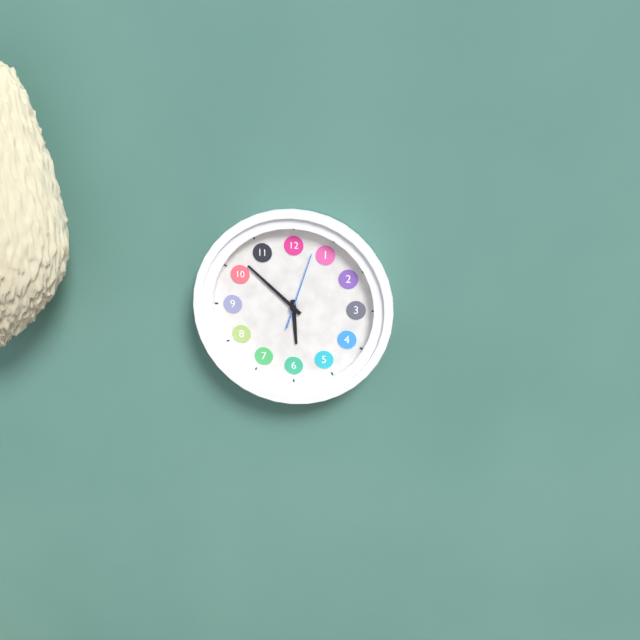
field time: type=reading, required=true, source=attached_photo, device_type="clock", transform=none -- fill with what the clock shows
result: 5:52:03
